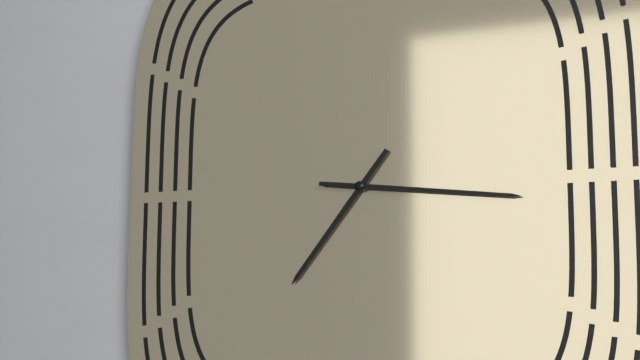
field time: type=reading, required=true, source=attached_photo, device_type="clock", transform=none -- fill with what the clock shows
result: 7:16
